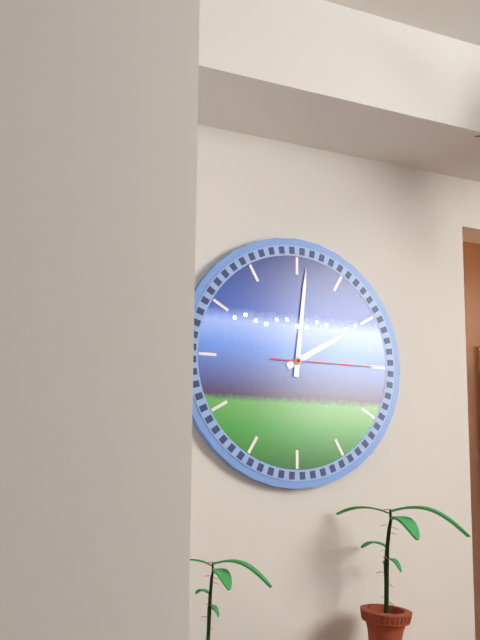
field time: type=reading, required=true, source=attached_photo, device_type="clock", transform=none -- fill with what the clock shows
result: 2:01:15
